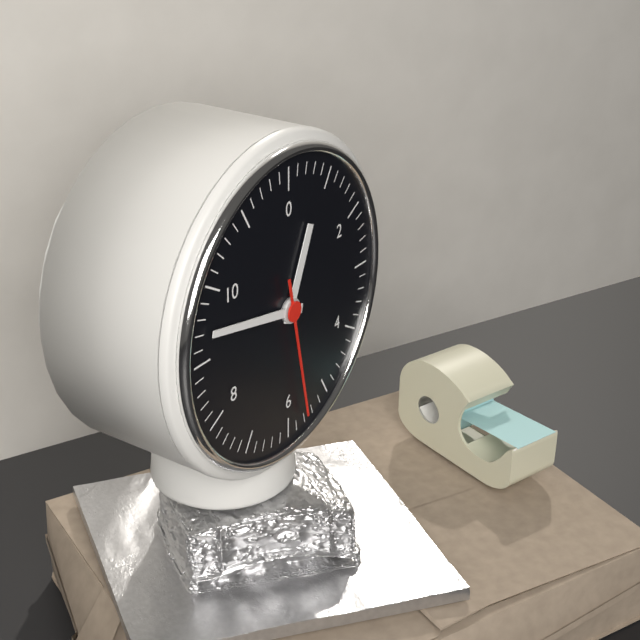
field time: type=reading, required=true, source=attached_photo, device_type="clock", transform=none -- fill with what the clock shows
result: 12:47:28
